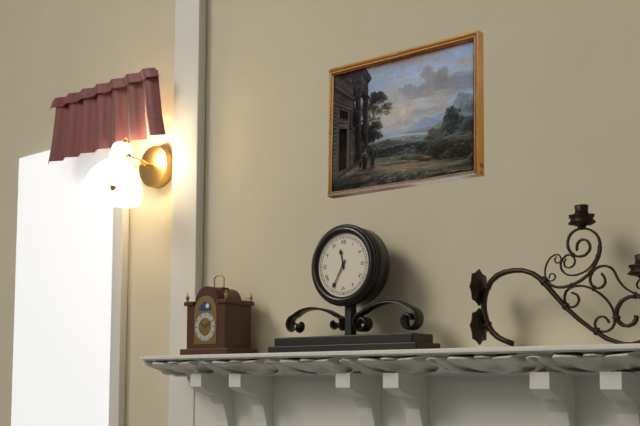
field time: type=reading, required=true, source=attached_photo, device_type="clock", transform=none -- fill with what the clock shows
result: 11:35
